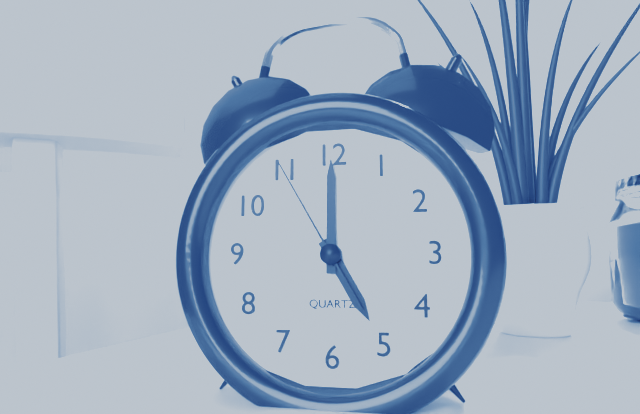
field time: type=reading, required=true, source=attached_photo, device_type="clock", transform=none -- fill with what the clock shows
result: 5:00:55
